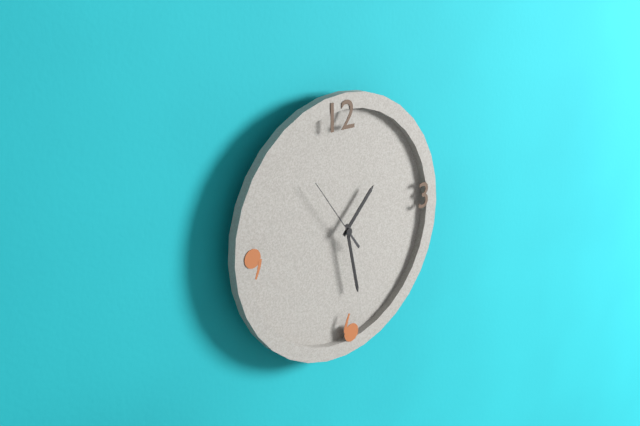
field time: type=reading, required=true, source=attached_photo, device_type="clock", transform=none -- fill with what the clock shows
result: 1:28:54
